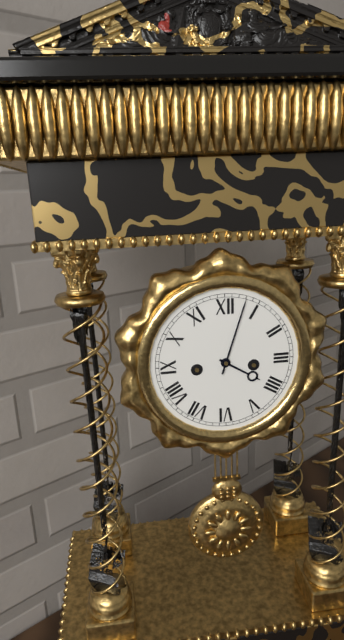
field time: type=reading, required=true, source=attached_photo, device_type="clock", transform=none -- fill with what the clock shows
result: 4:03
